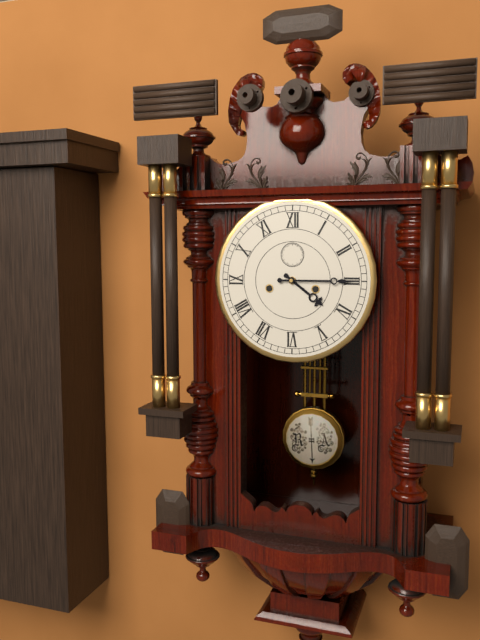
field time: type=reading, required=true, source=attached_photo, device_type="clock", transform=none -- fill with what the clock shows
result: 4:15
